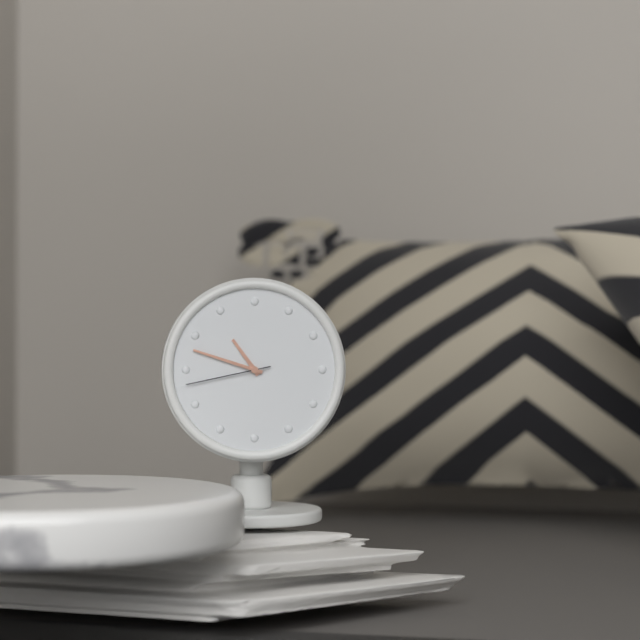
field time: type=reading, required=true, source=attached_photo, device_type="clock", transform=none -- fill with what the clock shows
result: 10:48:43
